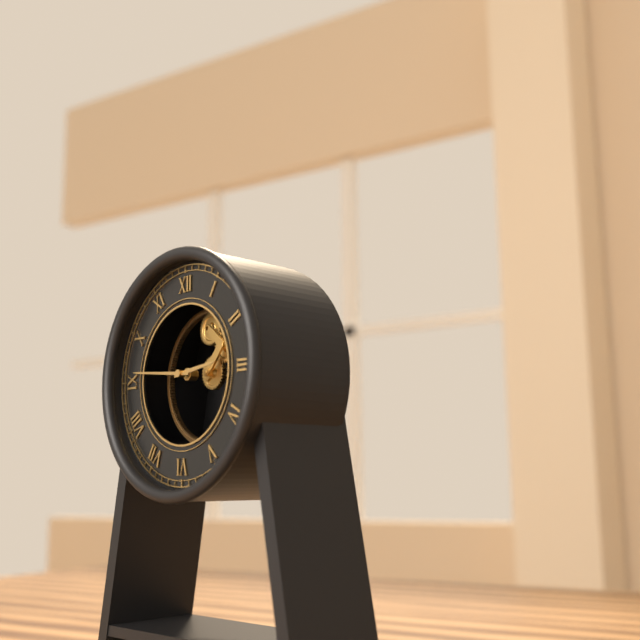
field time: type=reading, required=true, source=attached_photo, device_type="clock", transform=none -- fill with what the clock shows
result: 2:46
